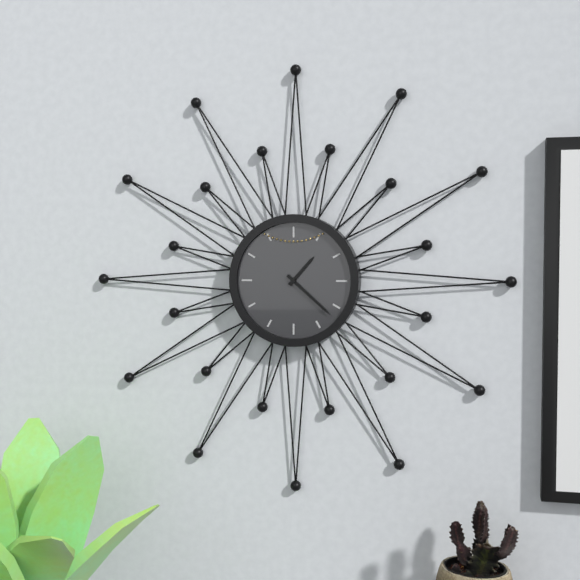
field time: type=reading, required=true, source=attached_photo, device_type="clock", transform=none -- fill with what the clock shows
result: 1:22
